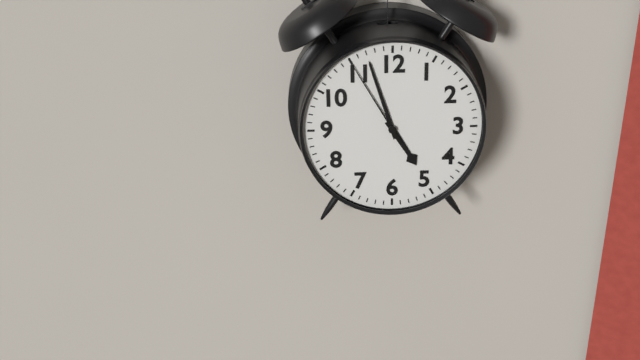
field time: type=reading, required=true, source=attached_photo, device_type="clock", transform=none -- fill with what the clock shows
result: 4:57:55
